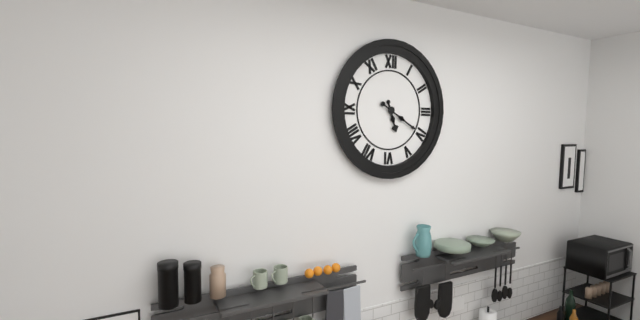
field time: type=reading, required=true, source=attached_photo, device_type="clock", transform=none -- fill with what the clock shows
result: 5:20
